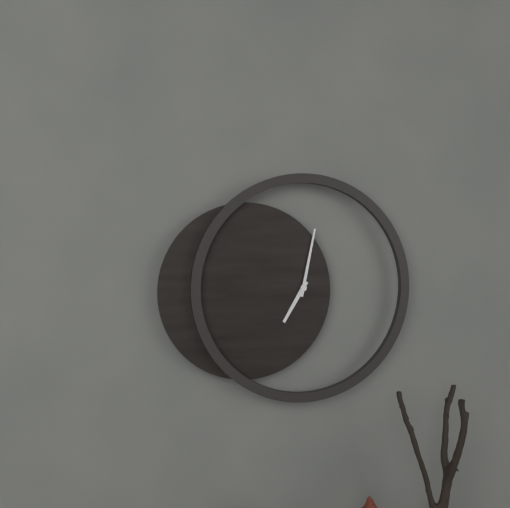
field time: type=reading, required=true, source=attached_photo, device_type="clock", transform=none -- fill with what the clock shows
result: 7:02
